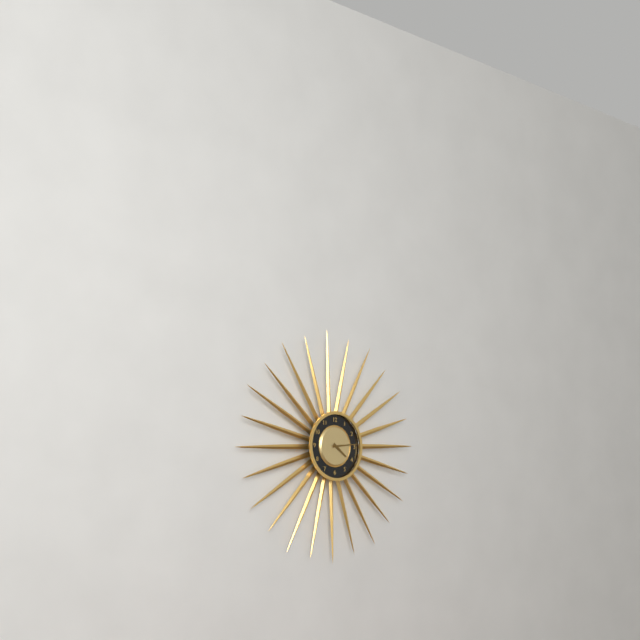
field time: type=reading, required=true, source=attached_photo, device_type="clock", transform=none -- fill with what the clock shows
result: 4:14
